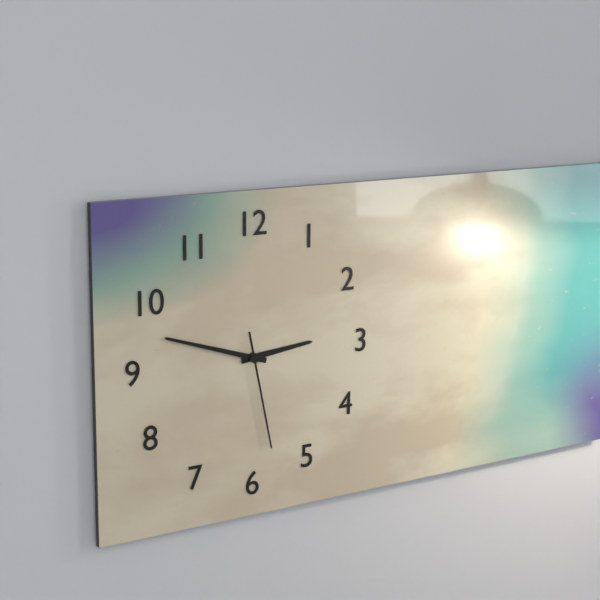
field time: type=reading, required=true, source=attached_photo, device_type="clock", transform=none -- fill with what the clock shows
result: 2:48:28
